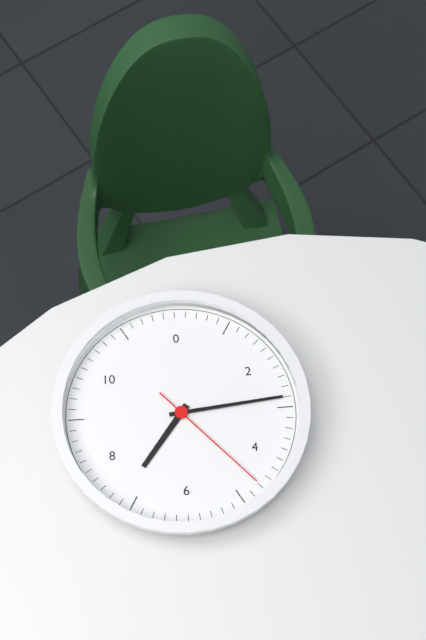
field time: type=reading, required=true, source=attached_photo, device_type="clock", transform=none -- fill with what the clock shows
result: 7:14:23
